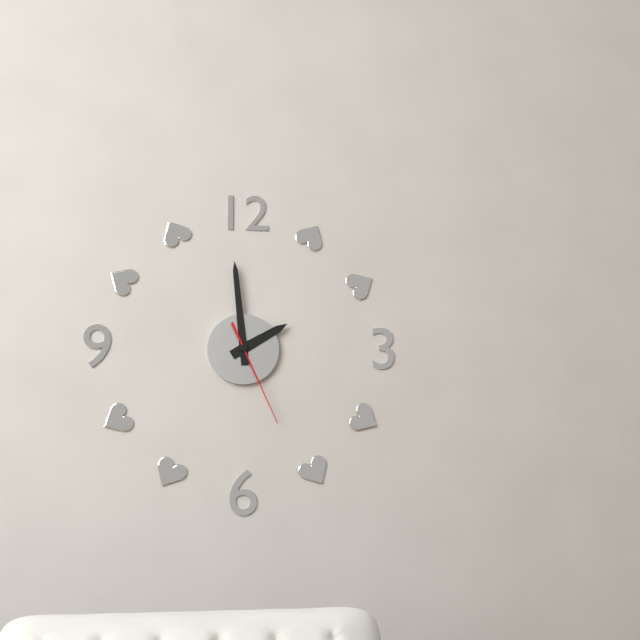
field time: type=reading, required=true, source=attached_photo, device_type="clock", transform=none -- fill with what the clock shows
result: 1:59:26
